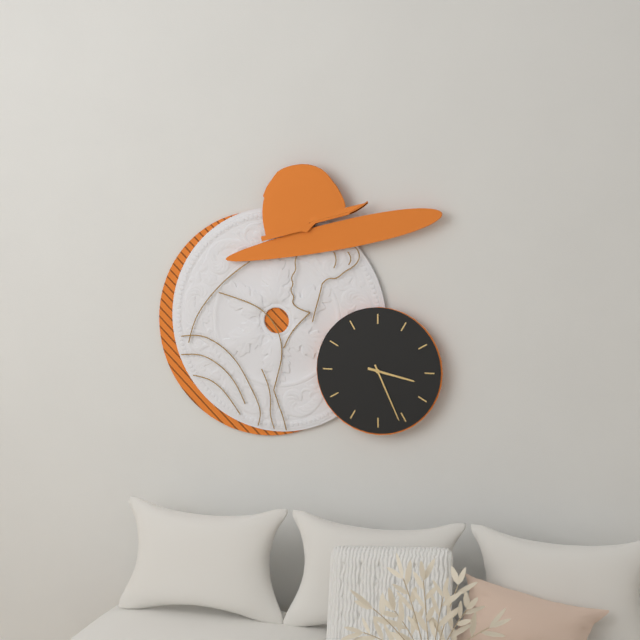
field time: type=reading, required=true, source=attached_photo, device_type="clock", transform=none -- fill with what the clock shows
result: 3:26
